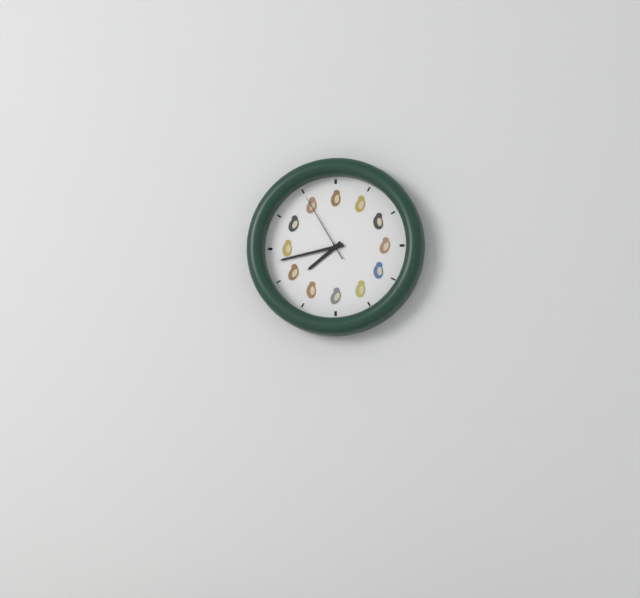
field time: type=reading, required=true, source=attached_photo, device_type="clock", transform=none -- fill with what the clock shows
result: 7:43:55
